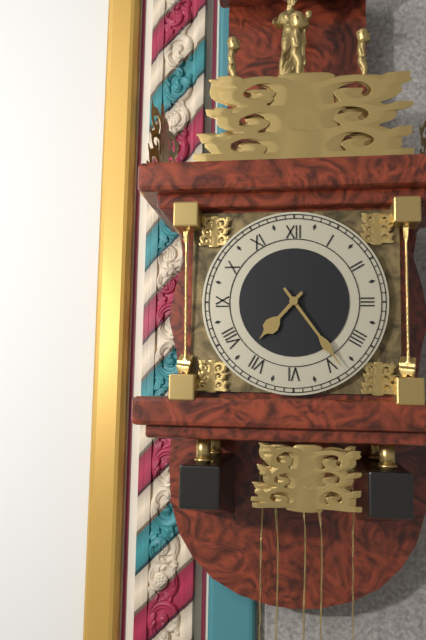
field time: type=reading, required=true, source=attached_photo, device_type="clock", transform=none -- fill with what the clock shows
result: 7:24
